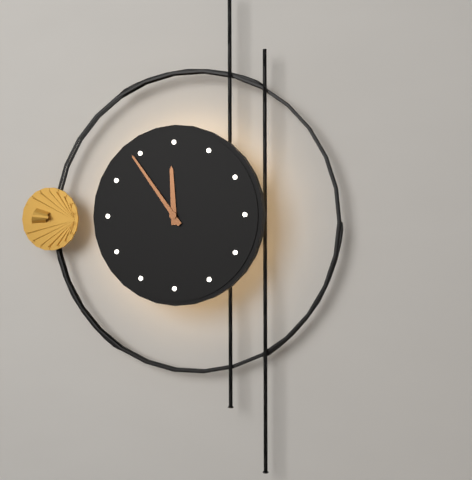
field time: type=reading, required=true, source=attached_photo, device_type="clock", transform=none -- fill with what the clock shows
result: 11:54
